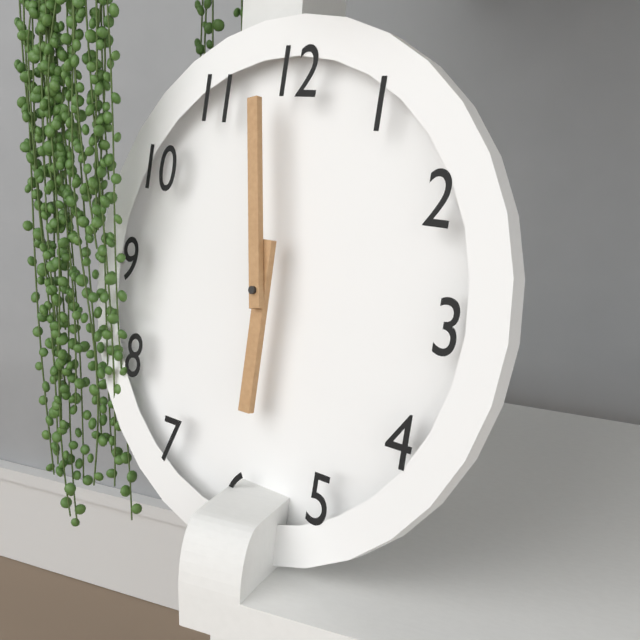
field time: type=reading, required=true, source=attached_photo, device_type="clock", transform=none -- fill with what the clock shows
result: 5:58
